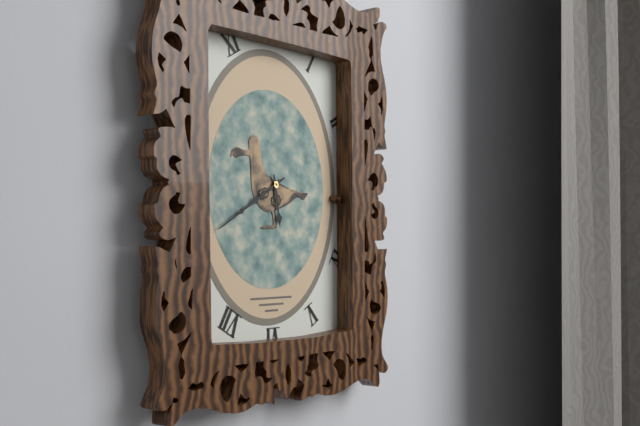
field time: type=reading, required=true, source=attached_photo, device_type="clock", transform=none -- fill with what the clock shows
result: 5:40
